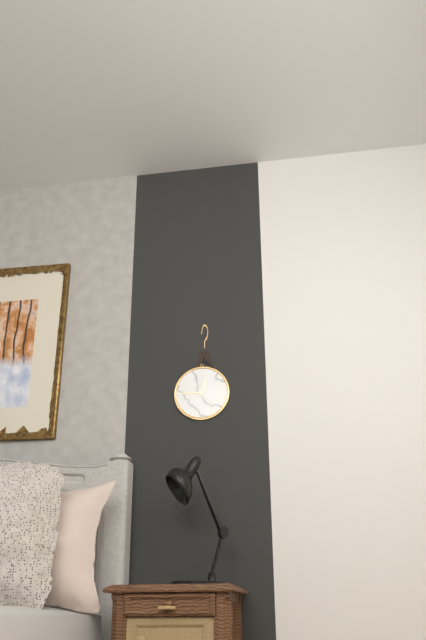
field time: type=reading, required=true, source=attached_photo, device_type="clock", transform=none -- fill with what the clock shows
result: 12:45
